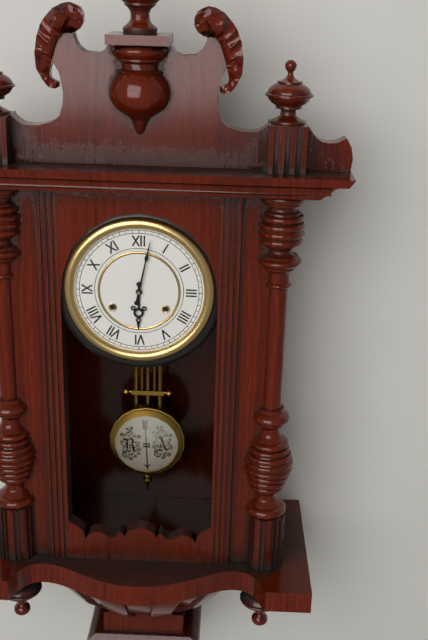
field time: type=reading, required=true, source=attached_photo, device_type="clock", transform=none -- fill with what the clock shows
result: 6:02
